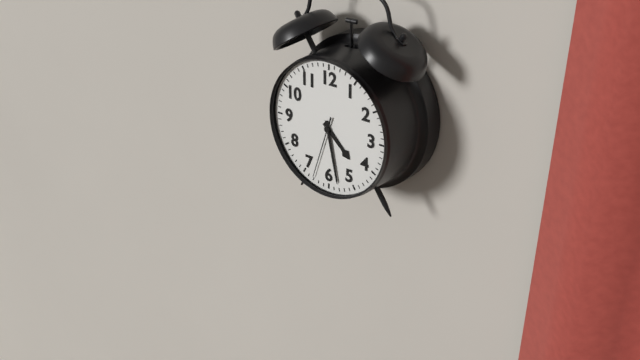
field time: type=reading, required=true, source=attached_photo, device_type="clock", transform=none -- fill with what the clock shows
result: 4:28:33
